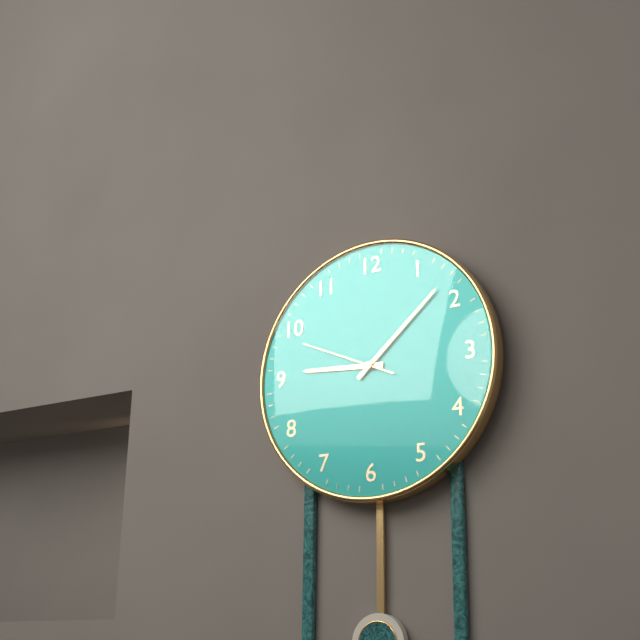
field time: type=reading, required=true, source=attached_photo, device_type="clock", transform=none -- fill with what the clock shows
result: 9:08:49
